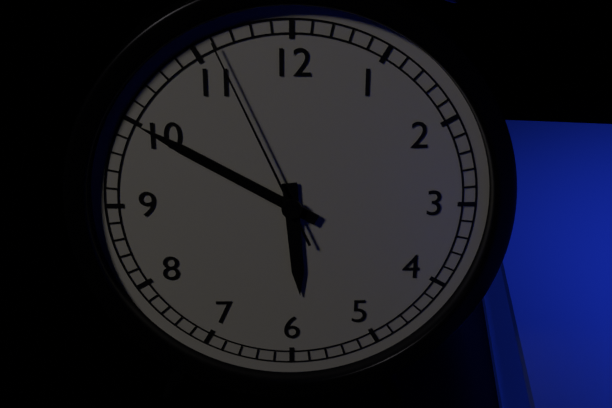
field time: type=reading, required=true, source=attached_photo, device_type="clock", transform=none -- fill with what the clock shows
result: 5:50:56
